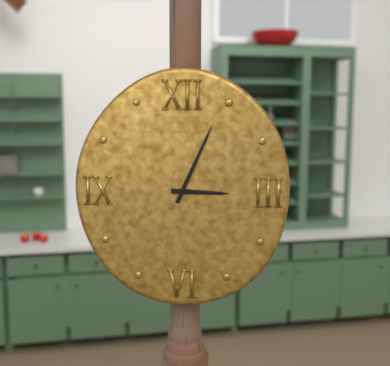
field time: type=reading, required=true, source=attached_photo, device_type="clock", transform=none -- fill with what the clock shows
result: 3:04
